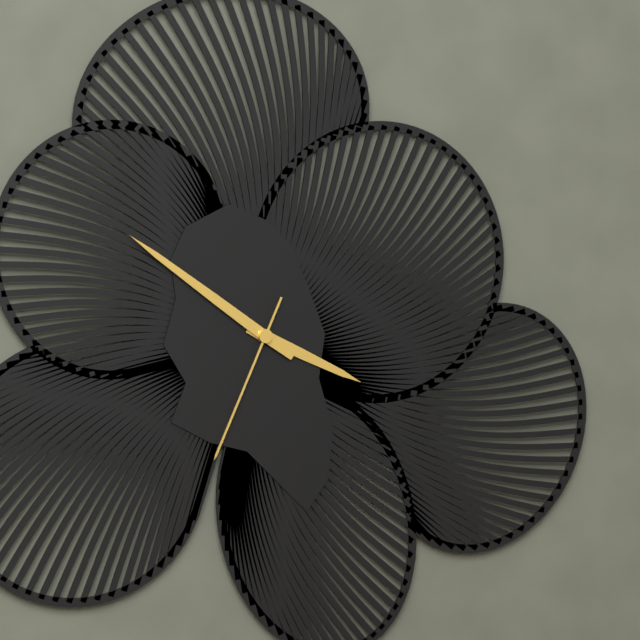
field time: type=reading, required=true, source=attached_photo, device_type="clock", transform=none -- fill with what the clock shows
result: 3:51:34
